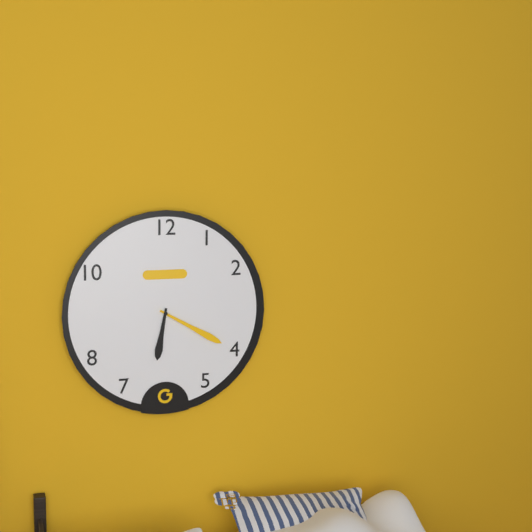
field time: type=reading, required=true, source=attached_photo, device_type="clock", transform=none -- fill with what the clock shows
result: 6:20
